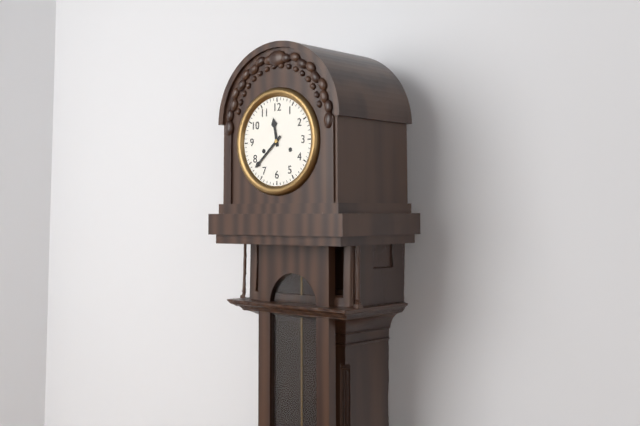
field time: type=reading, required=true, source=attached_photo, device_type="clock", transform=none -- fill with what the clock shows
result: 11:38
